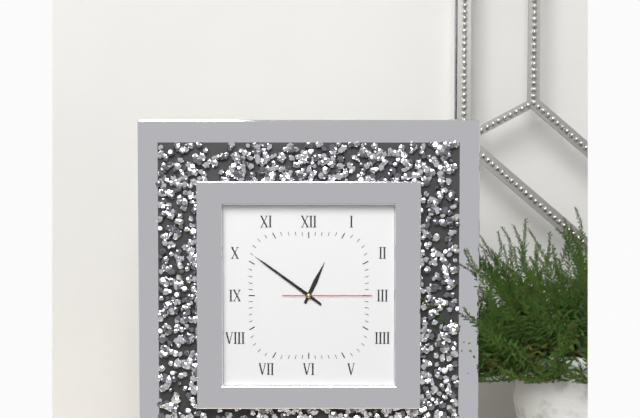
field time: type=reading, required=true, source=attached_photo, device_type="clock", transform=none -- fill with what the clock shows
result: 12:51:15
